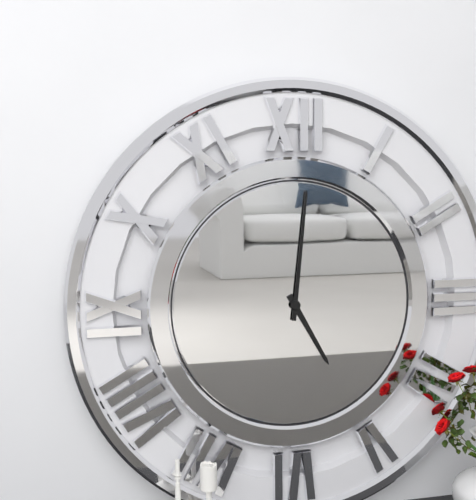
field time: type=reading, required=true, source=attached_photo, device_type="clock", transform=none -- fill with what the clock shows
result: 5:01
